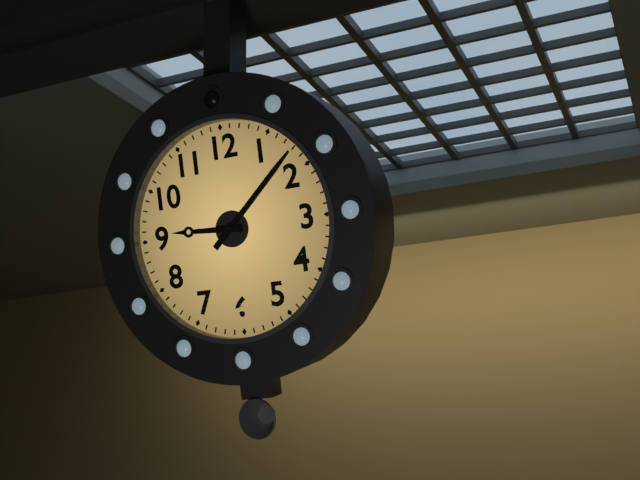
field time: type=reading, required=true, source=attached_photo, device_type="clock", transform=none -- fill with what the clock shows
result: 9:08
